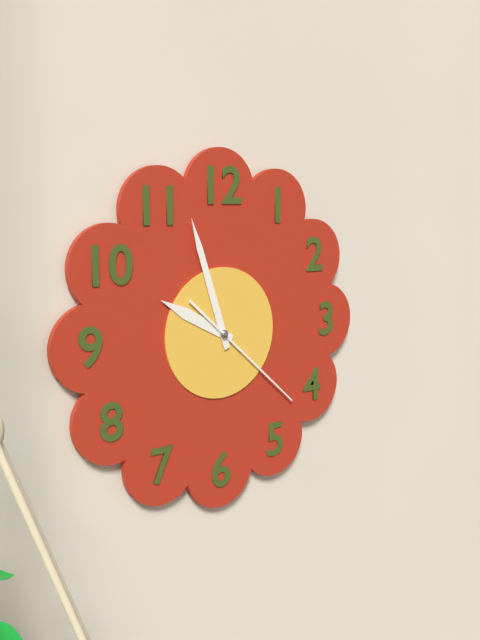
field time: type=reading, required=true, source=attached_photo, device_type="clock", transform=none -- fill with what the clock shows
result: 9:57:22
